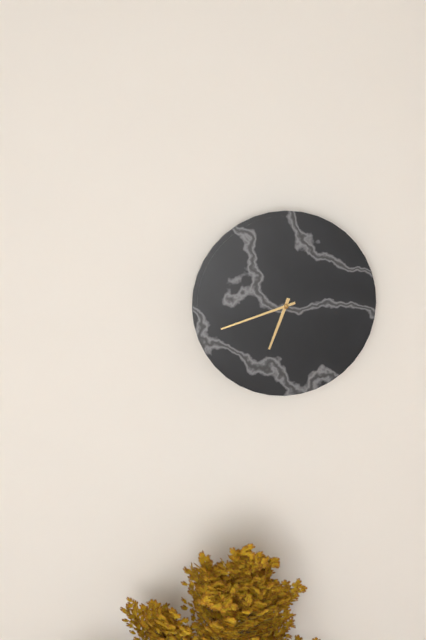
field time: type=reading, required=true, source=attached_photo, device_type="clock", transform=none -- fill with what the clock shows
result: 6:42
